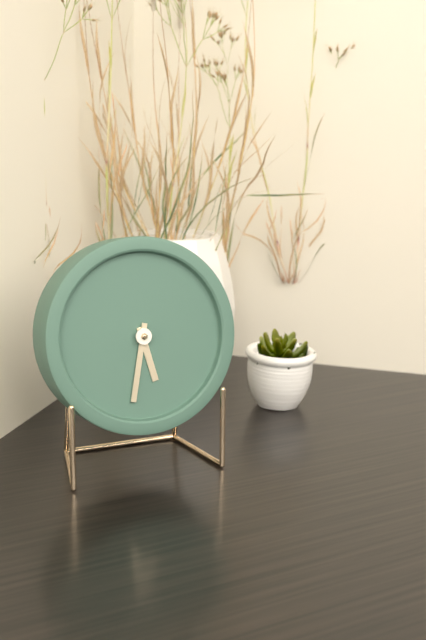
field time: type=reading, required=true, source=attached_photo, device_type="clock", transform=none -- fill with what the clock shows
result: 5:32
